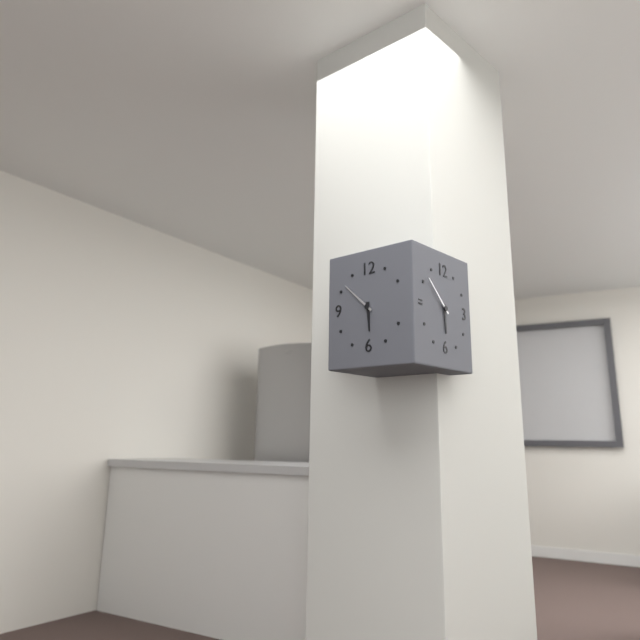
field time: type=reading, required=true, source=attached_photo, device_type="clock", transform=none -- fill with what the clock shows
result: 5:52
